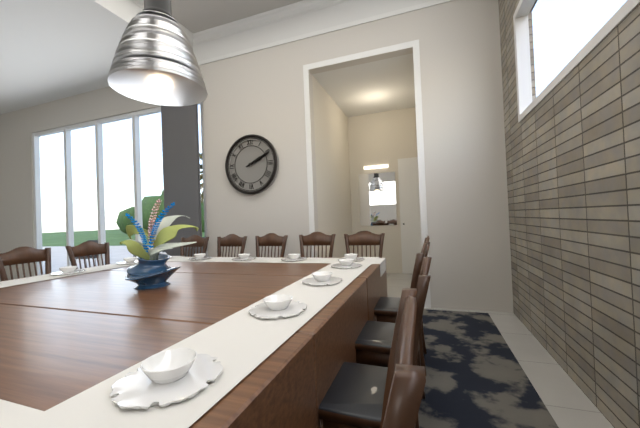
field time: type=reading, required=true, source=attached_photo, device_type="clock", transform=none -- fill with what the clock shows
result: 2:11
